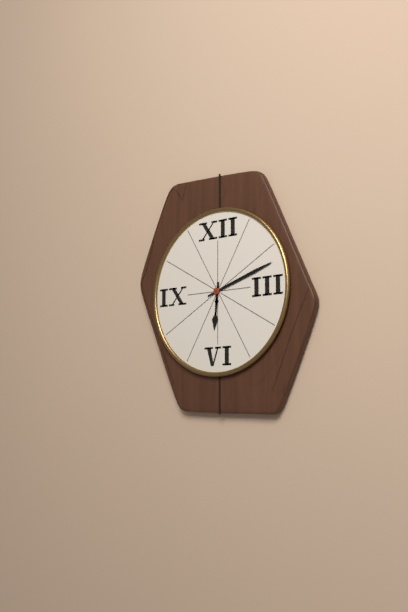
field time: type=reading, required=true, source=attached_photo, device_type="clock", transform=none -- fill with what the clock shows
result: 6:12
